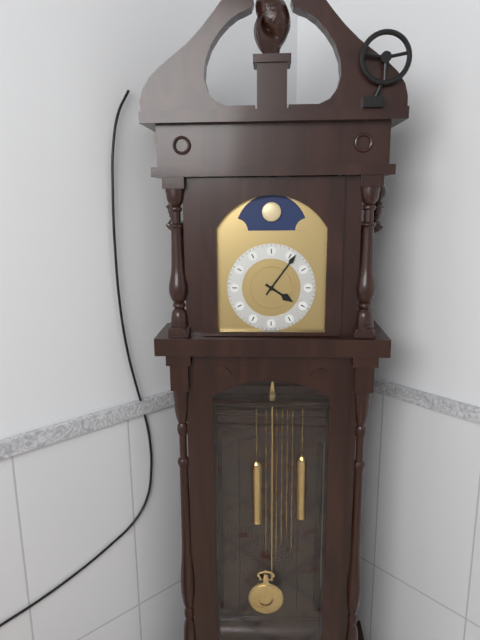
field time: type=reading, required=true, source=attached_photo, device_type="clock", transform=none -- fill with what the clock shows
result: 4:06
